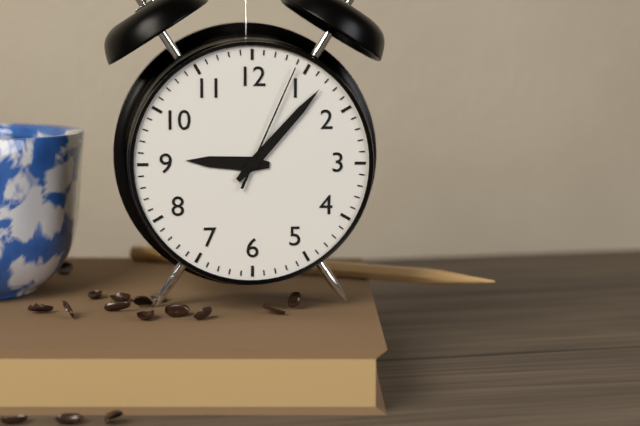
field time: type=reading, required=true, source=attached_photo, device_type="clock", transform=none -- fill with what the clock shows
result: 9:07:04
